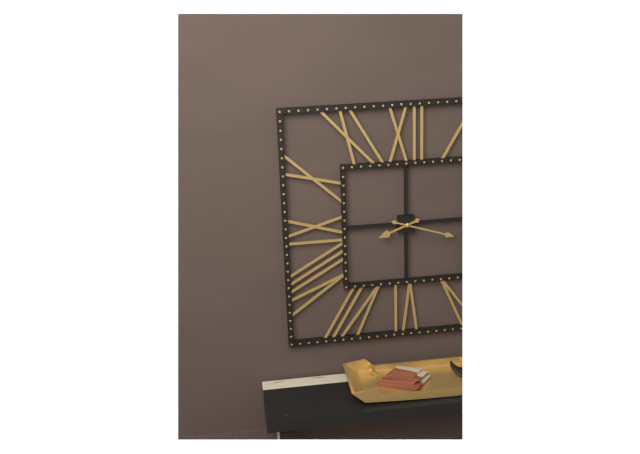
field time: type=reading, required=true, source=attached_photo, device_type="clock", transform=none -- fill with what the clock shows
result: 8:18
